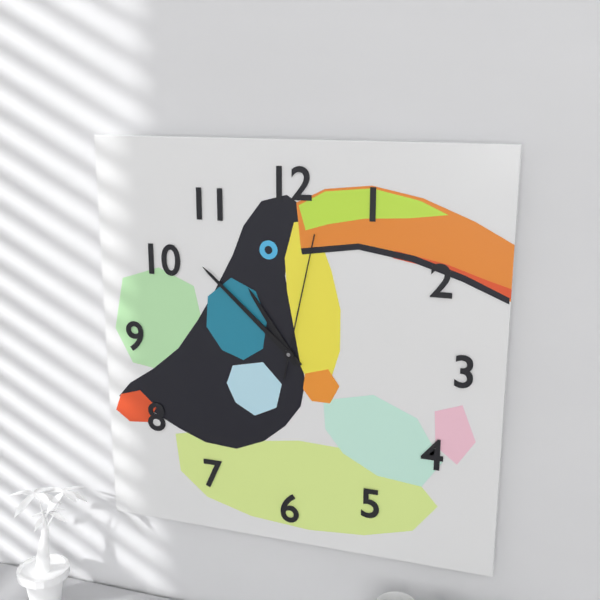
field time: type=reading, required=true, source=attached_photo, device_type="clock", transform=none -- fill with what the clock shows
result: 10:52:02
